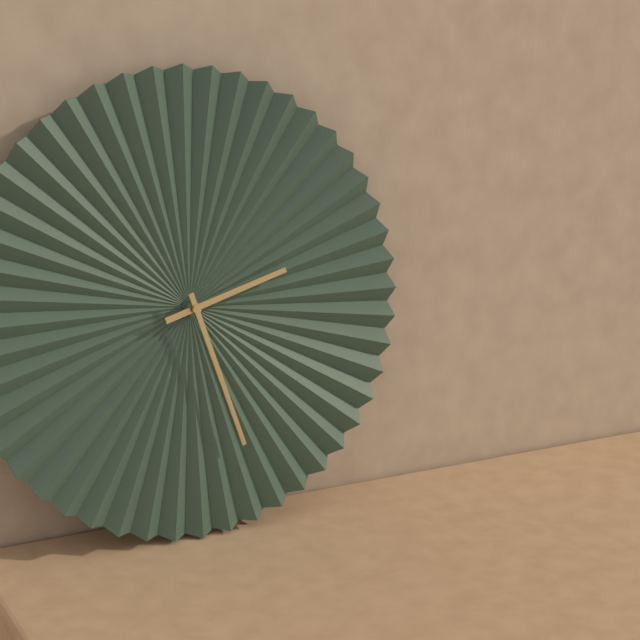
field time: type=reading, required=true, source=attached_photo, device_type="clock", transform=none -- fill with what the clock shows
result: 2:27
